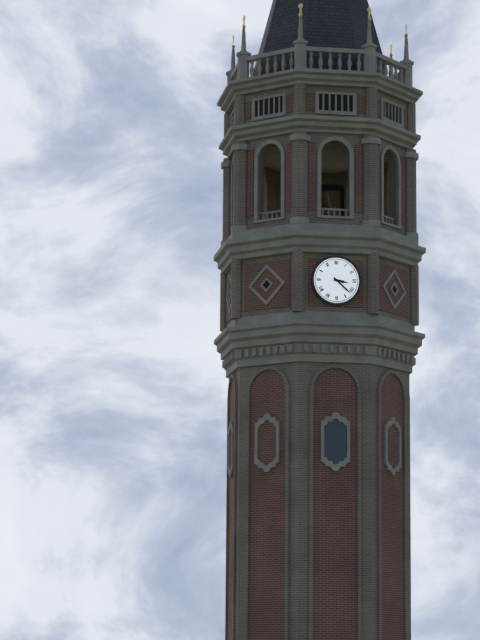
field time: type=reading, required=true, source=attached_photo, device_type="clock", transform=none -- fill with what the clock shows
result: 3:22
